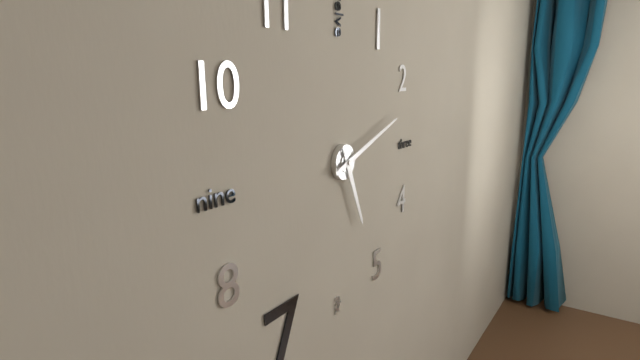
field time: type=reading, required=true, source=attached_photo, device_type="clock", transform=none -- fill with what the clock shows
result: 5:12
